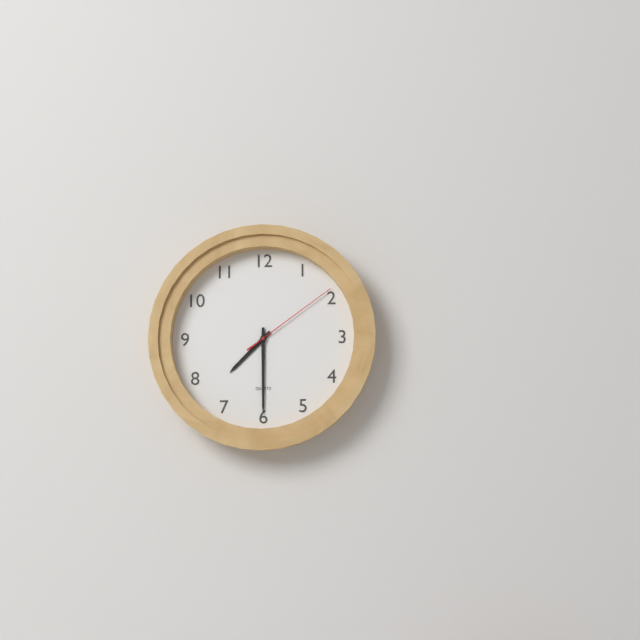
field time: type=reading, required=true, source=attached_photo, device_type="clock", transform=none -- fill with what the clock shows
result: 7:30:09
